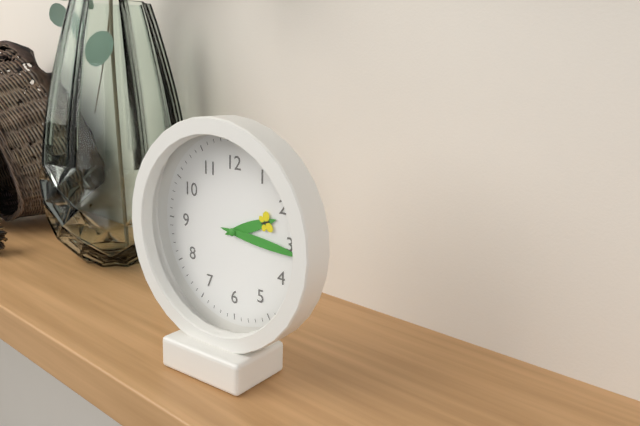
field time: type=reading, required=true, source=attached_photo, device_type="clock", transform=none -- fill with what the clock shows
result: 2:16
